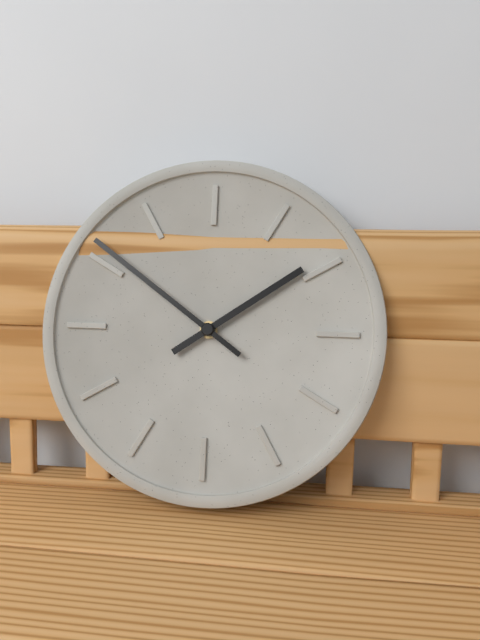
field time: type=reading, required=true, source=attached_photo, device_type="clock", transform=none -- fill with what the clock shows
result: 1:51
